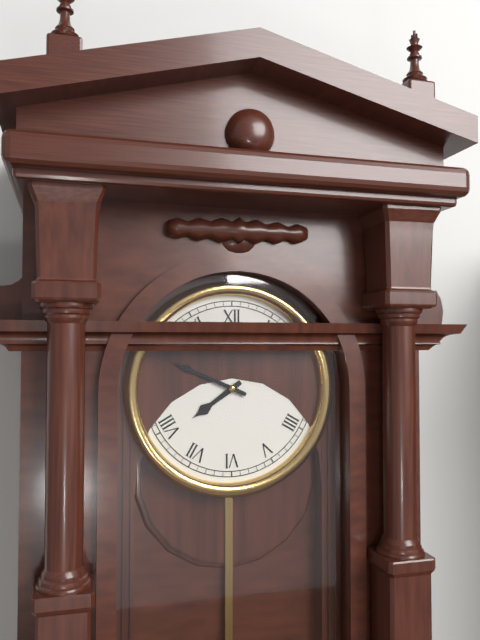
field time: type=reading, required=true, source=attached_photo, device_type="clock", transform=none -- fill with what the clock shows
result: 7:49
